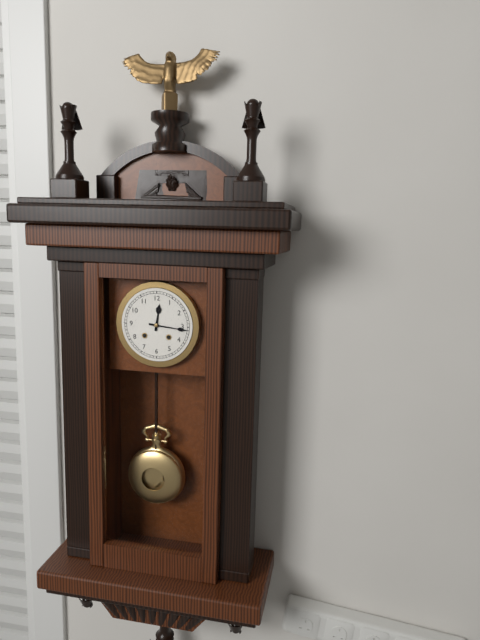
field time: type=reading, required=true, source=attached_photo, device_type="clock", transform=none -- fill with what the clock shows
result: 12:16
